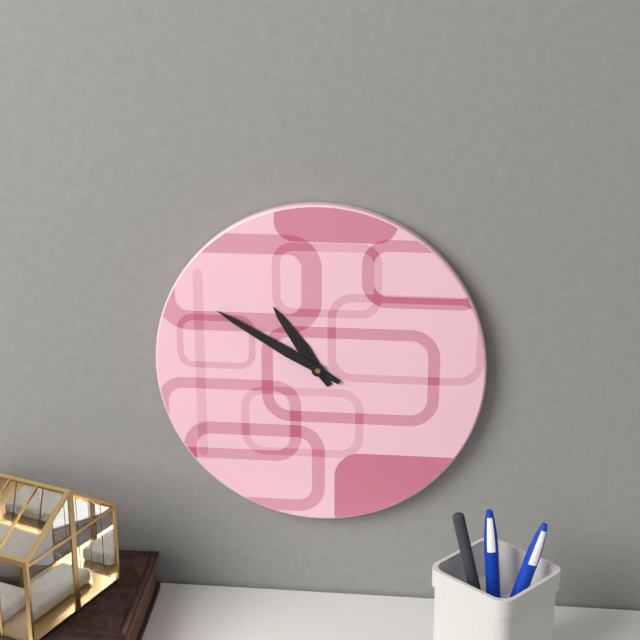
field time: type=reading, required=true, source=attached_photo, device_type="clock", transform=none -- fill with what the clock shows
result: 10:50
